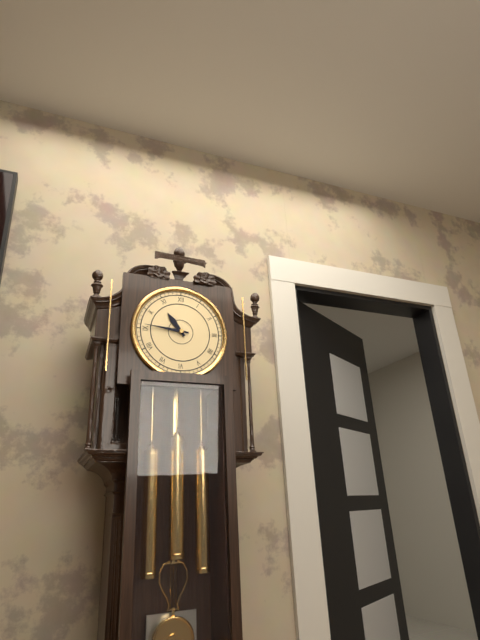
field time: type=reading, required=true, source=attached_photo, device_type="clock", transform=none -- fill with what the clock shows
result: 10:46
